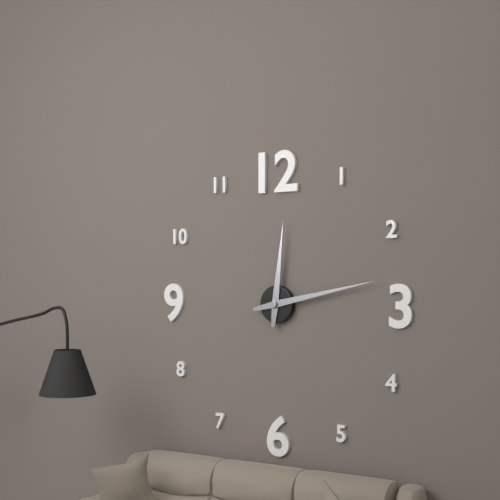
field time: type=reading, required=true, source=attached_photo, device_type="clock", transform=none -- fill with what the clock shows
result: 12:13
